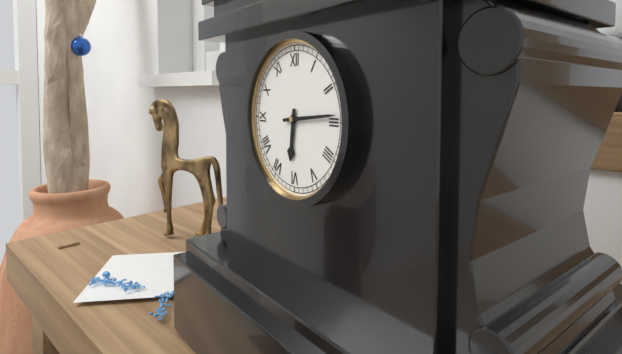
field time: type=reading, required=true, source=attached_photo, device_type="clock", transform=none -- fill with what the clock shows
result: 6:14
